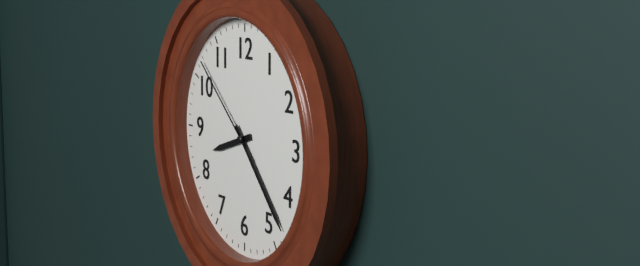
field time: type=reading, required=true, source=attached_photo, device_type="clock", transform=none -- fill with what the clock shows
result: 8:23:52
